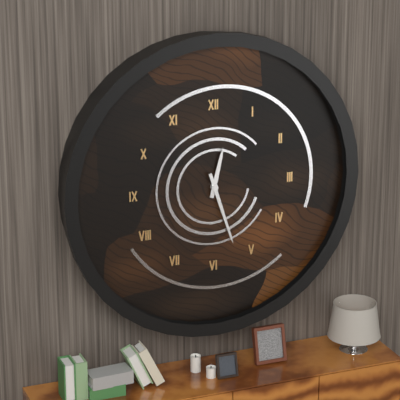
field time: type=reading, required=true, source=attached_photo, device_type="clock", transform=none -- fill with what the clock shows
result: 12:27
